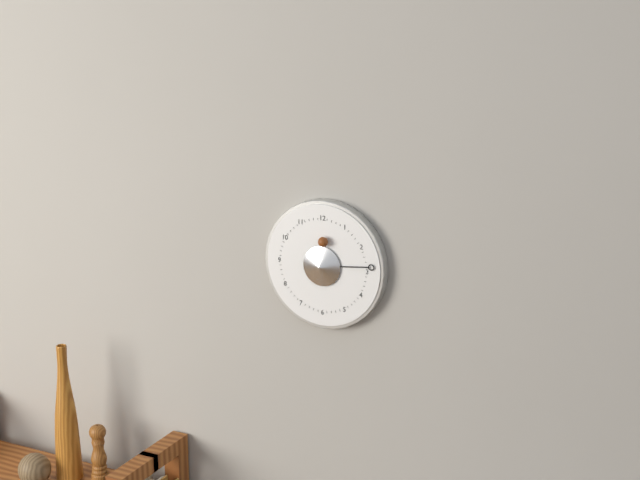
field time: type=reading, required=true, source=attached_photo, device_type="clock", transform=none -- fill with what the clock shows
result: 12:14
